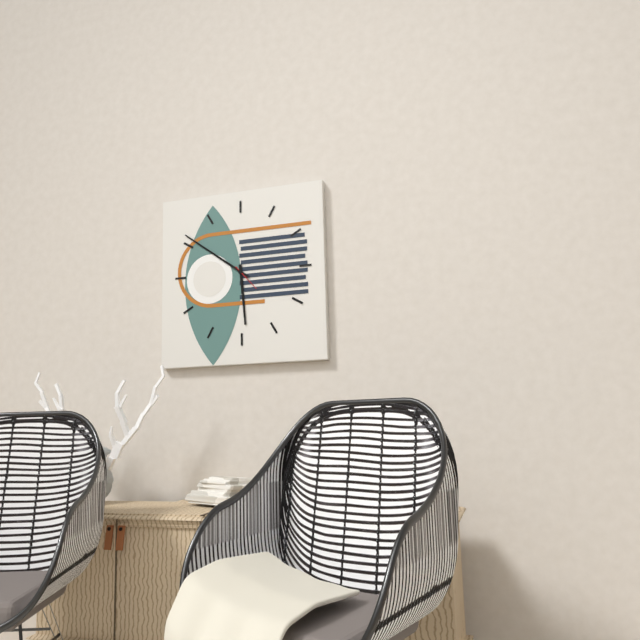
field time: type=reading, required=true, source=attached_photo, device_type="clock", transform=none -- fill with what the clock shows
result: 5:51
